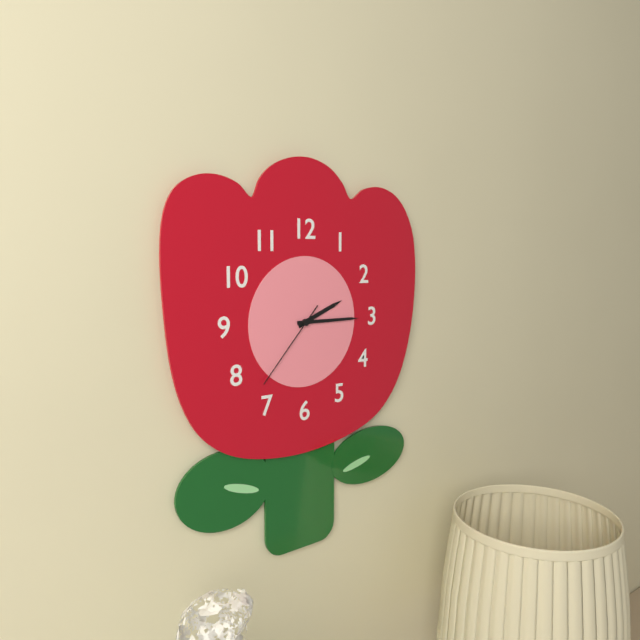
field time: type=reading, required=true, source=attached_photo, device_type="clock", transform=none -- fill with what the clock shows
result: 2:15:37
